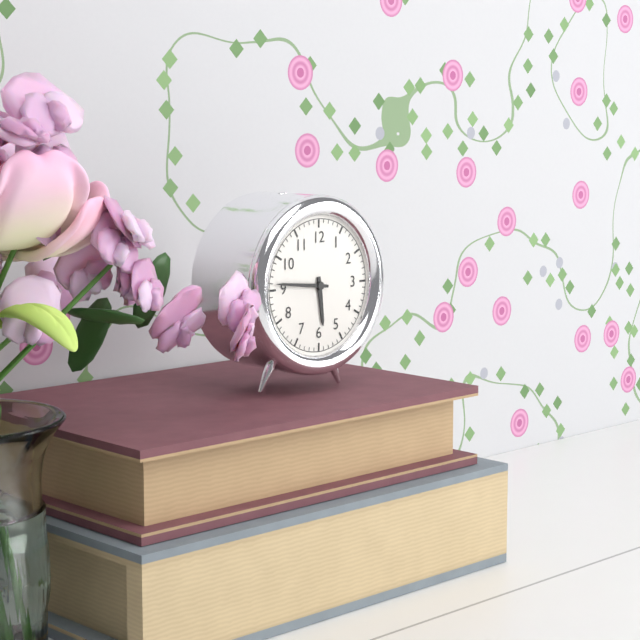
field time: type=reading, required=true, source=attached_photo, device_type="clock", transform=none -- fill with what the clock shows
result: 5:46
